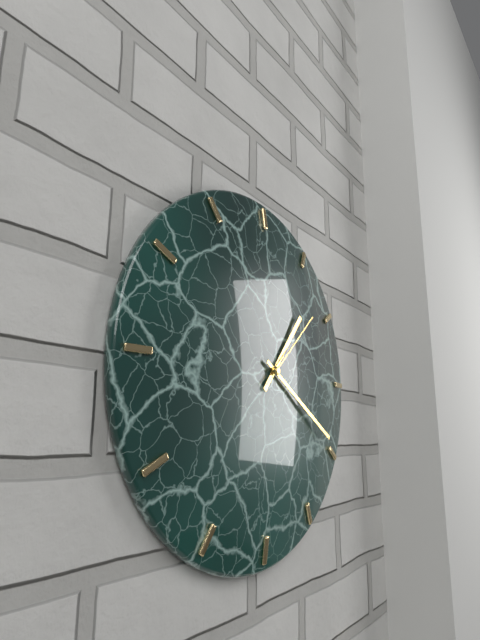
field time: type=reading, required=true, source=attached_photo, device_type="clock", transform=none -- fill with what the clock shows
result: 1:20:08
